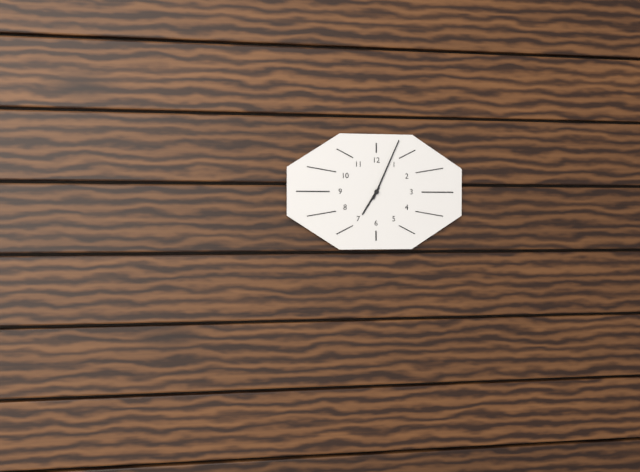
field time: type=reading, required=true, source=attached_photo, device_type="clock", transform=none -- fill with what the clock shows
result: 7:04
